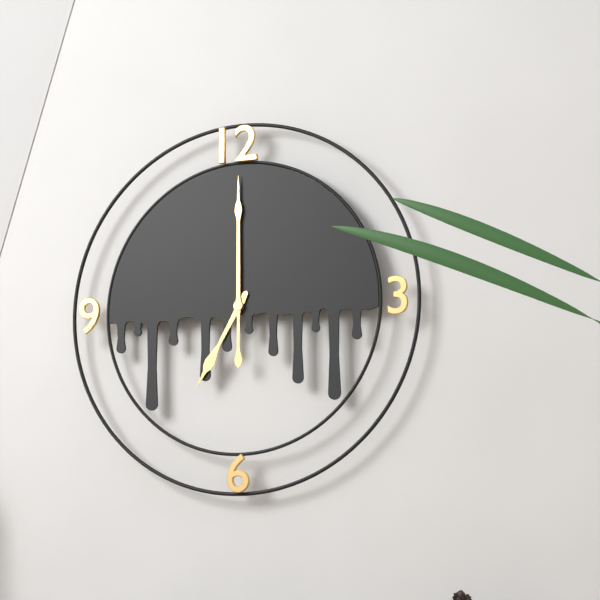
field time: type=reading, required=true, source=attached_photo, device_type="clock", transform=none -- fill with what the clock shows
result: 7:00
